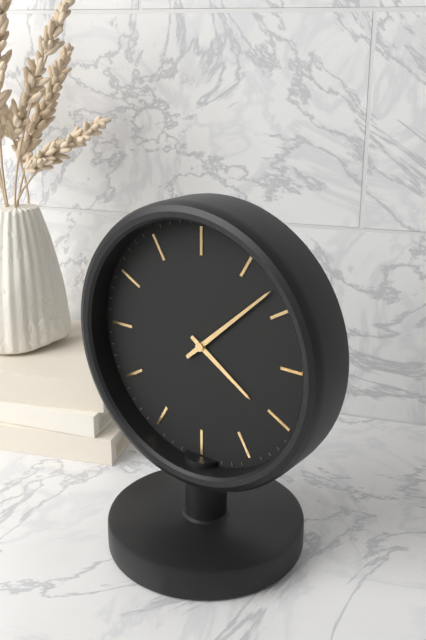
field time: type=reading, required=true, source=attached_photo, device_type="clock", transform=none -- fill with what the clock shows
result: 4:08
